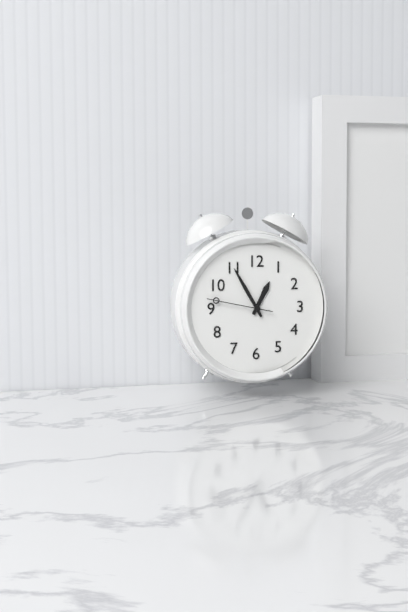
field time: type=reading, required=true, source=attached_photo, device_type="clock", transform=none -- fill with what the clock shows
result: 12:55:47
